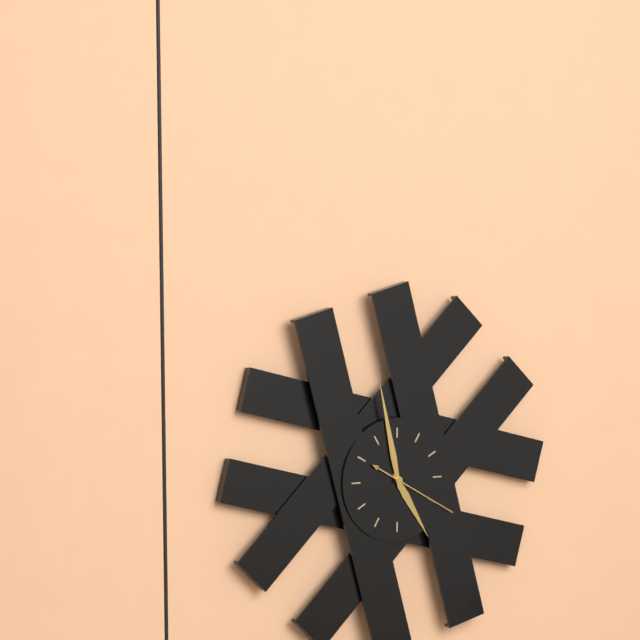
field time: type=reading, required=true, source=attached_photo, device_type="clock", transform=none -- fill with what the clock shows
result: 4:58:20
